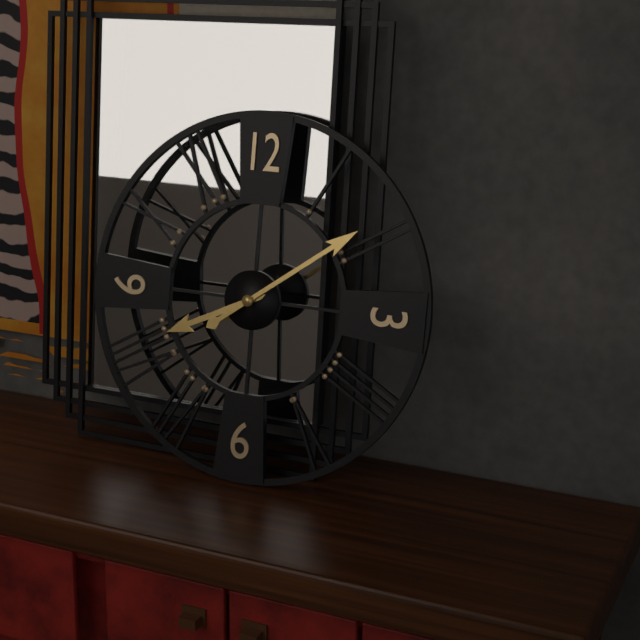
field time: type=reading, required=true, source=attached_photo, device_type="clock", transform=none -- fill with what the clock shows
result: 8:09
